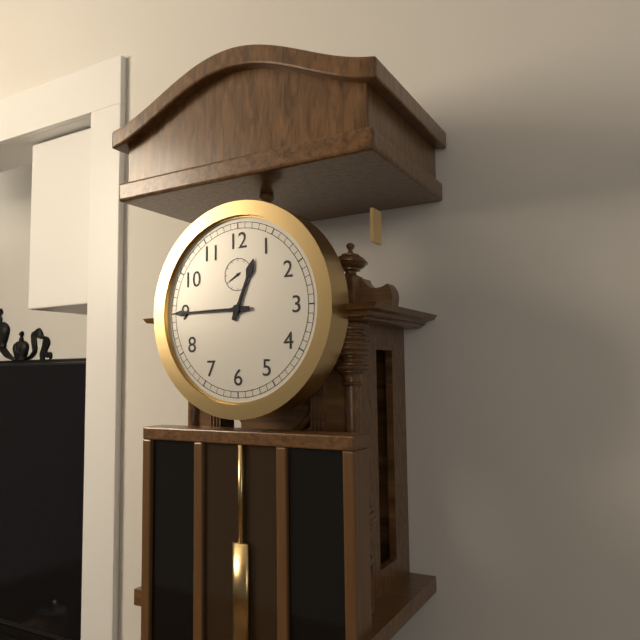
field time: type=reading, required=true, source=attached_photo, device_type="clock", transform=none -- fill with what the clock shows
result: 12:45
